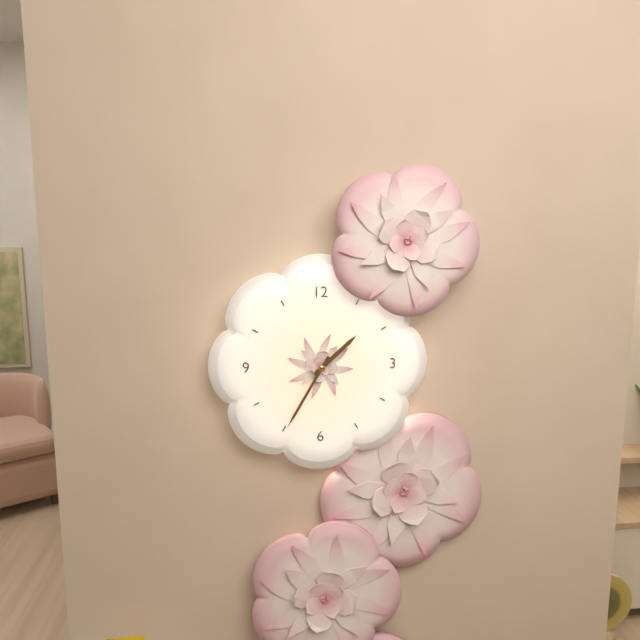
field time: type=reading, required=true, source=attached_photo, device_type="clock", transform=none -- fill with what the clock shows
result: 1:35
